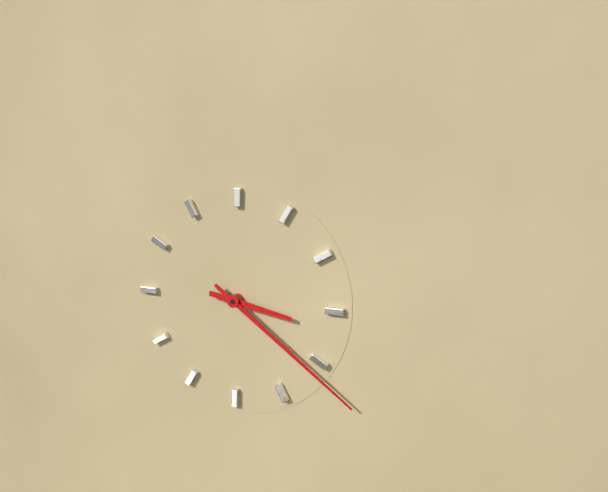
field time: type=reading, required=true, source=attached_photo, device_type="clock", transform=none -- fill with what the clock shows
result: 3:21
